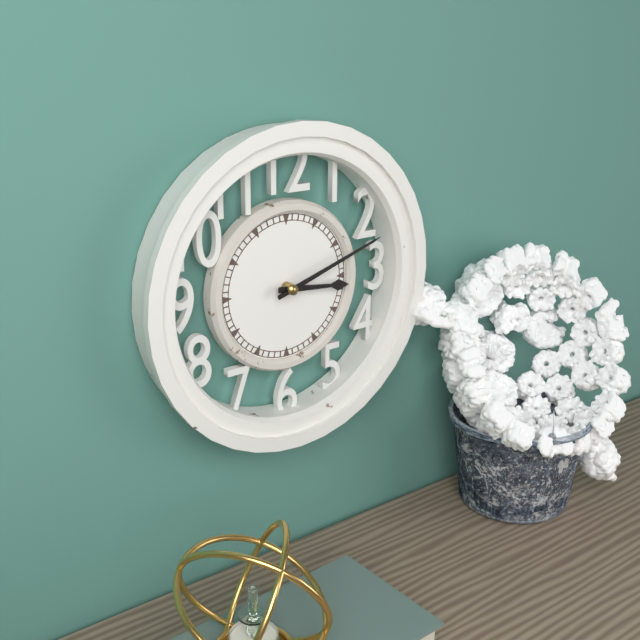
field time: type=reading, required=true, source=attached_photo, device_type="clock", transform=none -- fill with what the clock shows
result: 3:12
